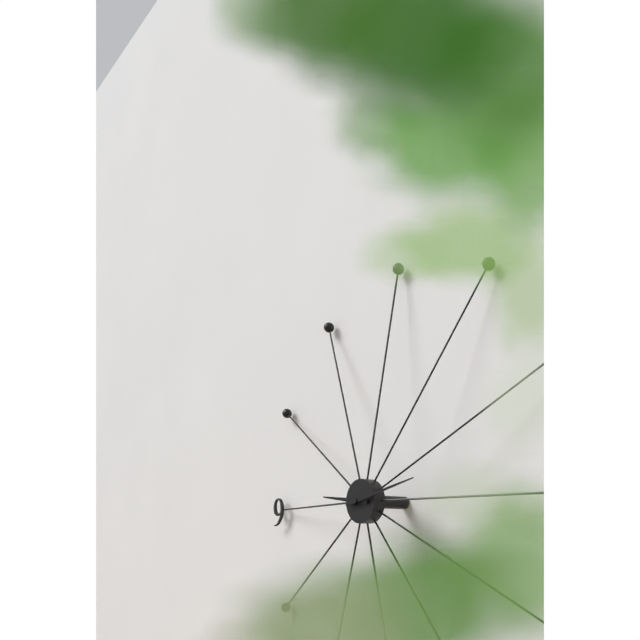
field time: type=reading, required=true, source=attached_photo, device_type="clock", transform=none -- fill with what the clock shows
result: 9:13
